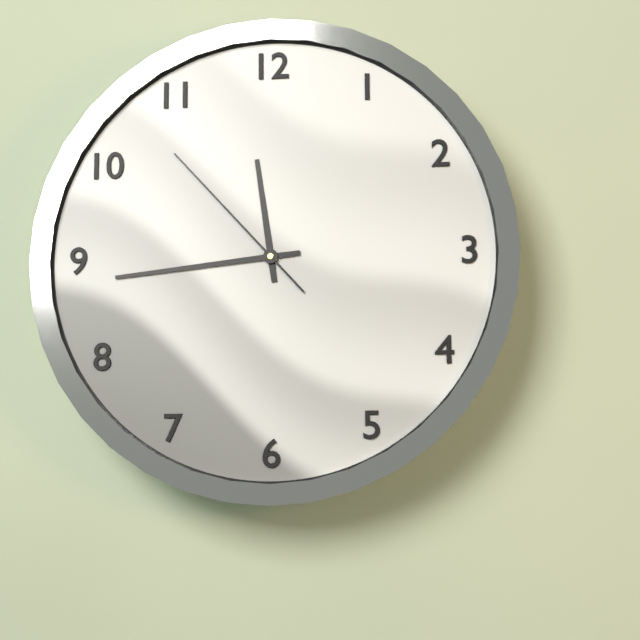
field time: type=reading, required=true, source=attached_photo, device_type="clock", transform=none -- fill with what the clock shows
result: 11:44:53
